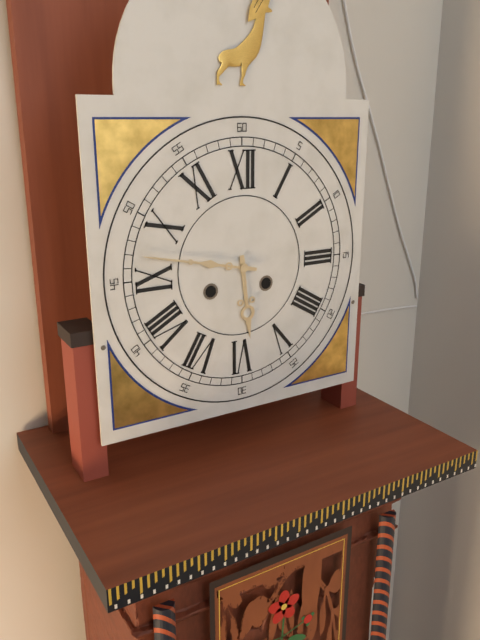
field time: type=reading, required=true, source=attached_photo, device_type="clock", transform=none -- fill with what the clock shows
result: 5:47
